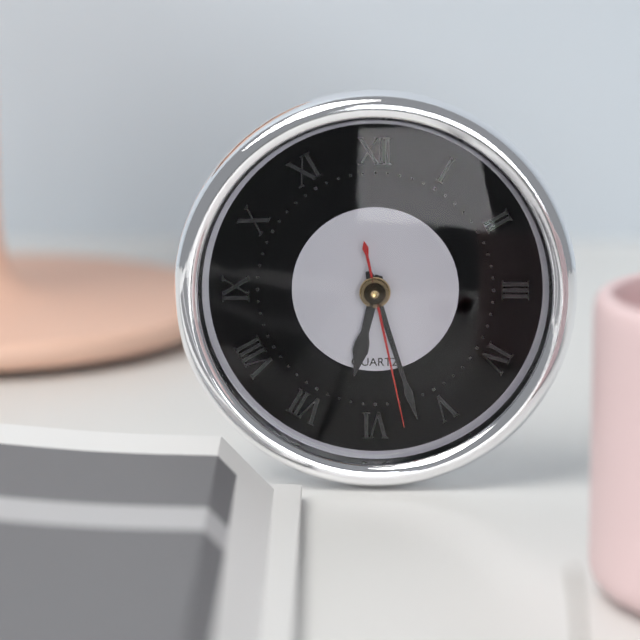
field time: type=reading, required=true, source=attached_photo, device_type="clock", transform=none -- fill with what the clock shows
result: 6:27:28
